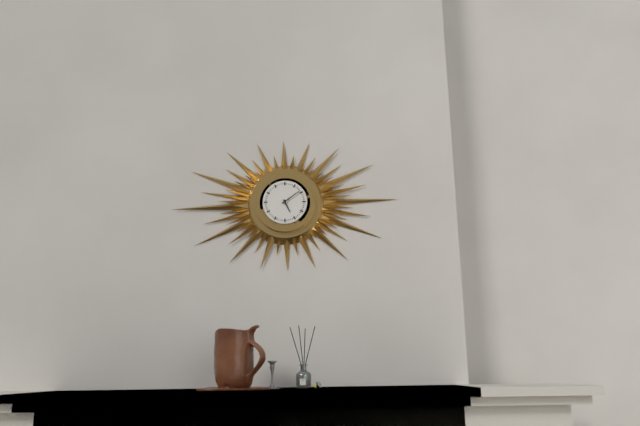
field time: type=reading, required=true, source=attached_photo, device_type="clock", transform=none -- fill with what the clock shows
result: 5:09
